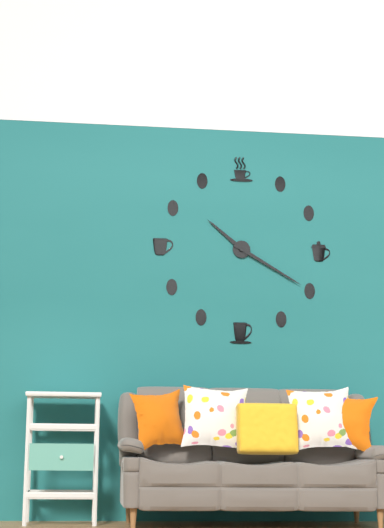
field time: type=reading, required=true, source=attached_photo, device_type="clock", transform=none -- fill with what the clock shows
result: 10:20
